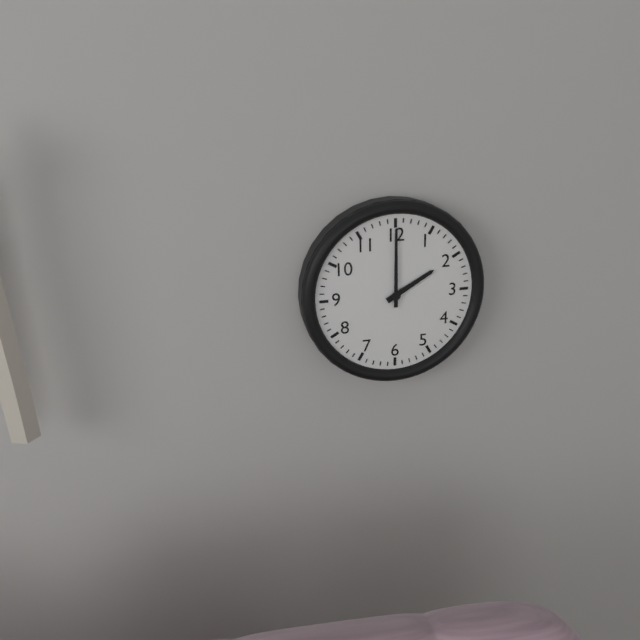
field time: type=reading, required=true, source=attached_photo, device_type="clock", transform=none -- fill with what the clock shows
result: 2:00
